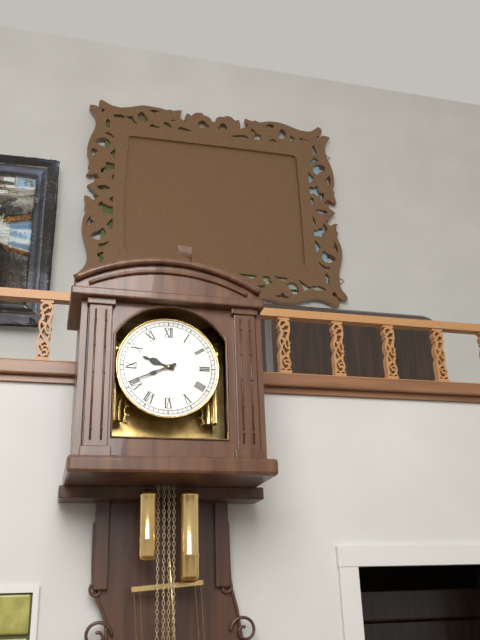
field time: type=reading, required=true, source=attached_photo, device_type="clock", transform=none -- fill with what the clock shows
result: 9:41
